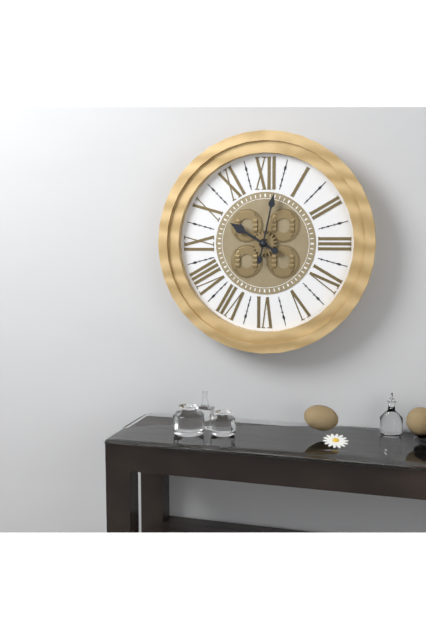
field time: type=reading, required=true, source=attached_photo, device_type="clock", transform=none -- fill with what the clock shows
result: 10:02
